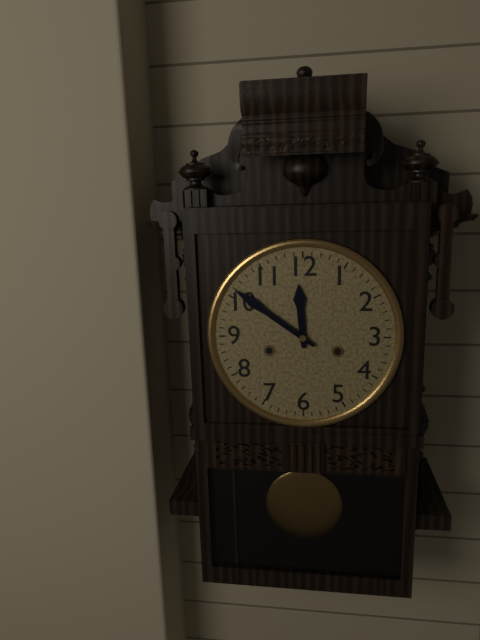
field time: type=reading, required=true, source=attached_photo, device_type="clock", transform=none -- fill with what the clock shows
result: 11:51
